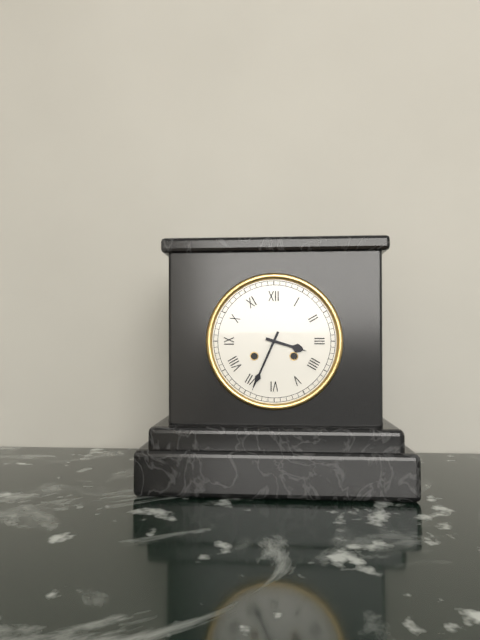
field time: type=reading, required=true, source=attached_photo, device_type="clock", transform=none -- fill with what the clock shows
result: 3:34
